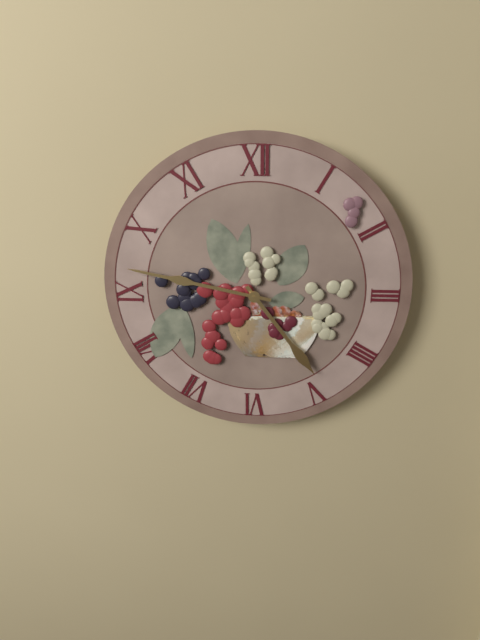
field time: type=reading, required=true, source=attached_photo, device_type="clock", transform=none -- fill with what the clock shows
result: 4:47
